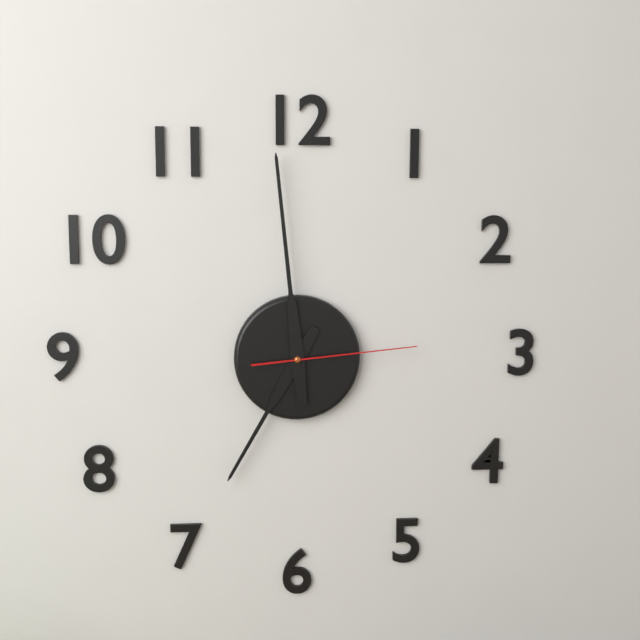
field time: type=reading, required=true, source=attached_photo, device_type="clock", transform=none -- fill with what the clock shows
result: 6:59:14
